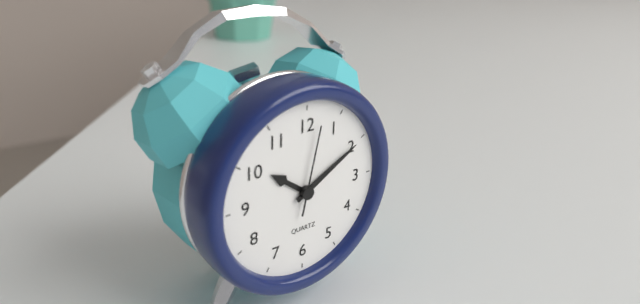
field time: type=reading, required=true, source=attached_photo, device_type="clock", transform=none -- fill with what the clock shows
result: 10:10:02
